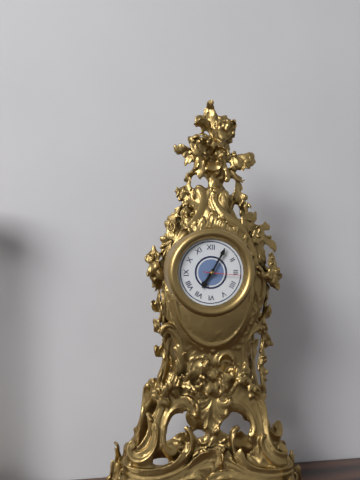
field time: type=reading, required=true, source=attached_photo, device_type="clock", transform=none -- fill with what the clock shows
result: 7:05
